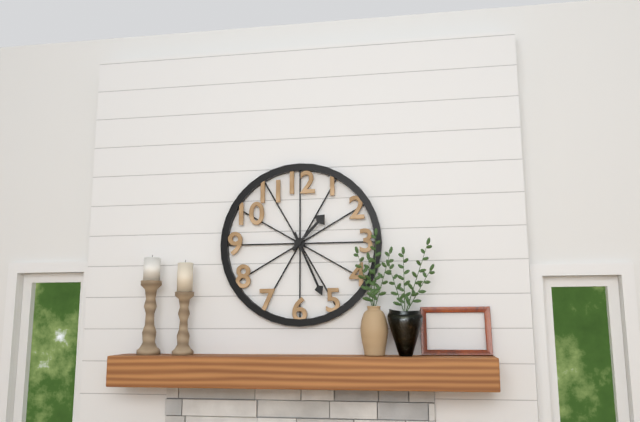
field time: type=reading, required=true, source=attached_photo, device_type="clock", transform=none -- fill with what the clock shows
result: 1:26
